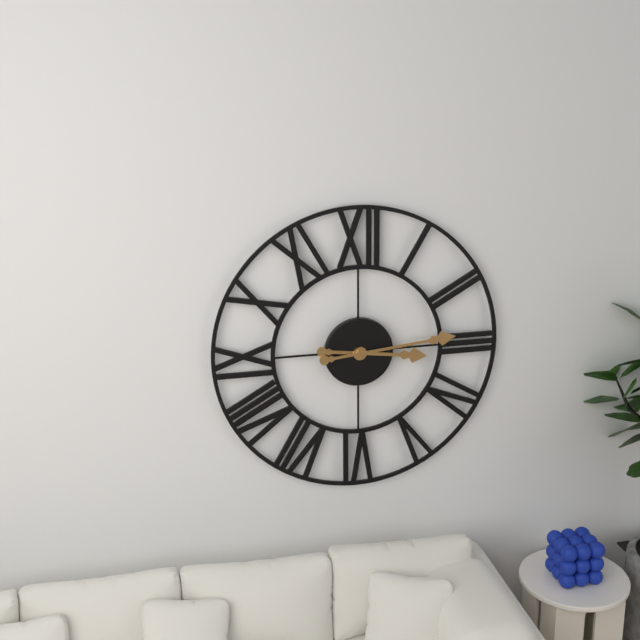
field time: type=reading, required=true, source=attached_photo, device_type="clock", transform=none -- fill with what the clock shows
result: 3:14
